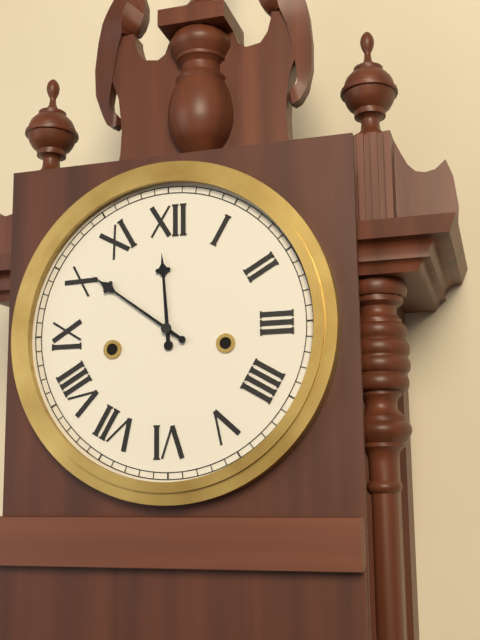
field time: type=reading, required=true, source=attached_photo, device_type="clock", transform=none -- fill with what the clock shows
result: 11:51
